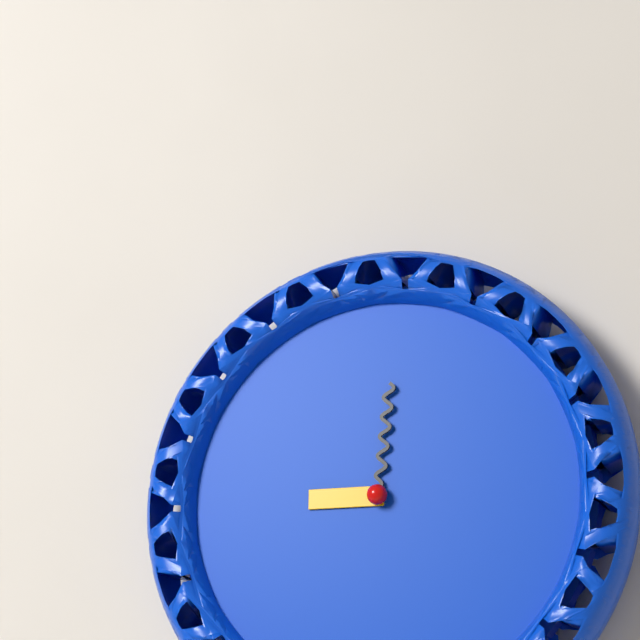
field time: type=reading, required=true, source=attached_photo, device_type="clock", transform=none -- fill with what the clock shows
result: 9:01
